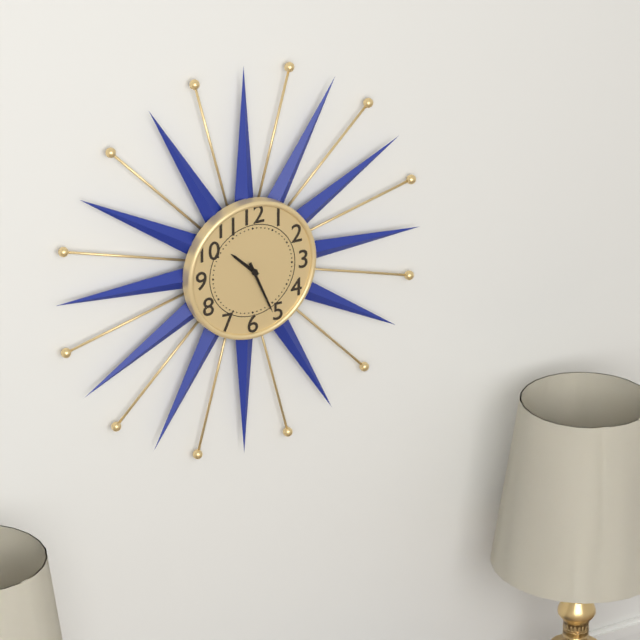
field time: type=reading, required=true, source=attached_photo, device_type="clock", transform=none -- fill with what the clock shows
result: 10:26
